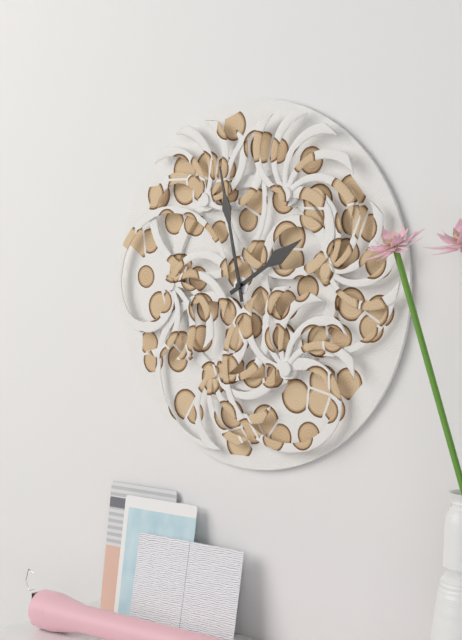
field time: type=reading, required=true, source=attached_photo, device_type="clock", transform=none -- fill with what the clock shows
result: 1:58
